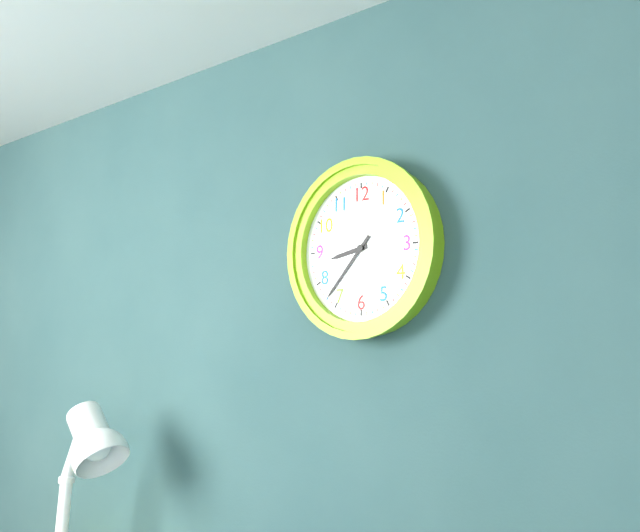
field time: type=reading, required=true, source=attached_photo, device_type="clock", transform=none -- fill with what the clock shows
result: 8:37
